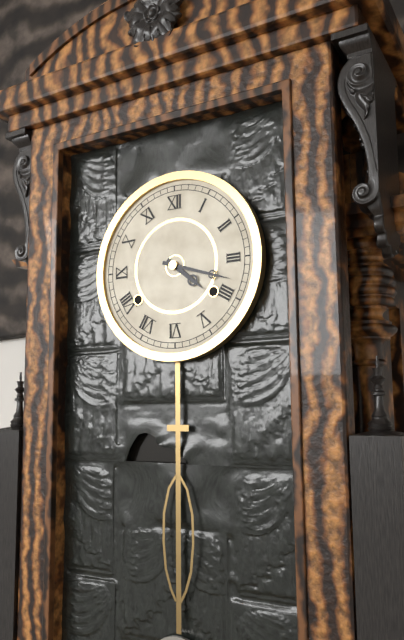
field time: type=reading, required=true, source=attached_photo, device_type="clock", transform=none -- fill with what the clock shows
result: 4:18
